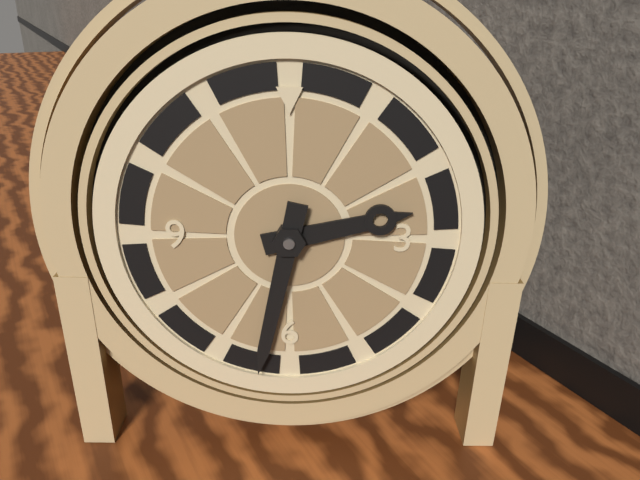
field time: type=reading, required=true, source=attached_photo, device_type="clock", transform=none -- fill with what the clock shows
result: 2:32
